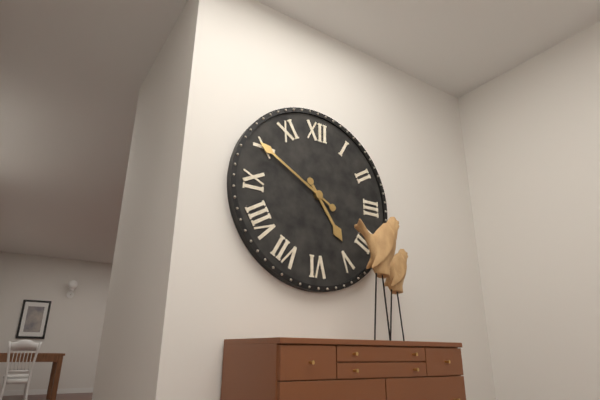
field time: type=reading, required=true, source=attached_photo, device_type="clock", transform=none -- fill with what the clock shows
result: 4:50
